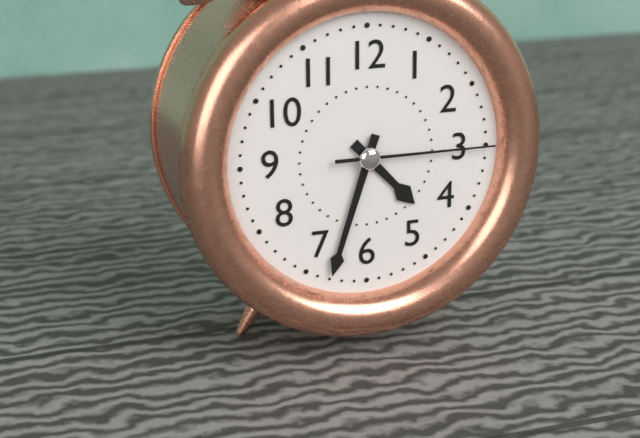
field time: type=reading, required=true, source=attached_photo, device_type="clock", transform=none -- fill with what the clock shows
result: 4:33:15
